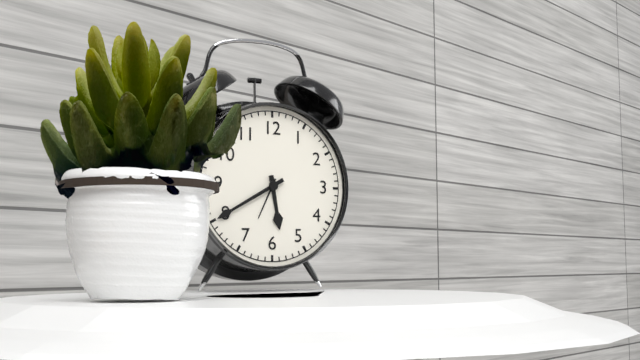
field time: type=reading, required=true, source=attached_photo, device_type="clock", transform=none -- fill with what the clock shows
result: 5:40
